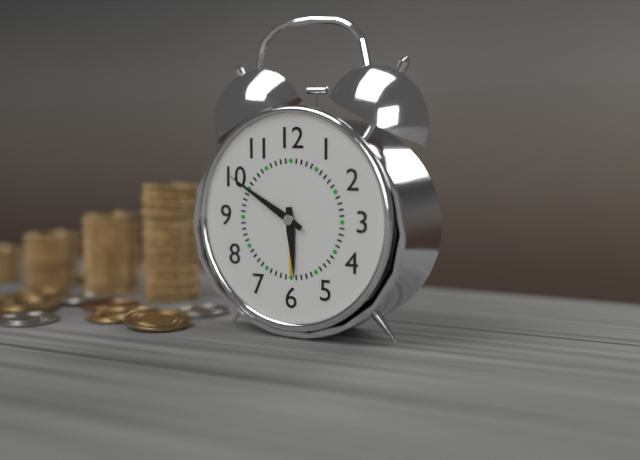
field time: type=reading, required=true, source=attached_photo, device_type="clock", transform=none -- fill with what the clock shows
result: 5:50
